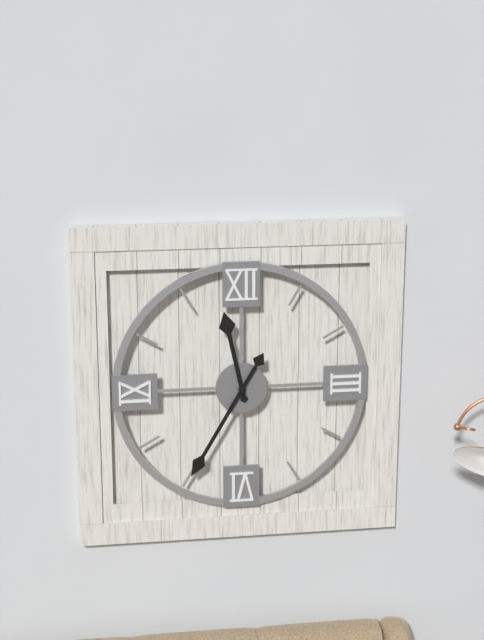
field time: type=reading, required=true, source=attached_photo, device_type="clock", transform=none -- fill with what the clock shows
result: 11:35
